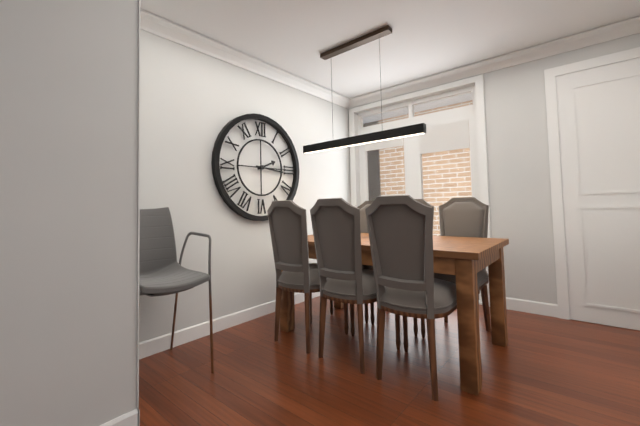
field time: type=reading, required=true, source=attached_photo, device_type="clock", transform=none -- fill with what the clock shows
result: 2:16
